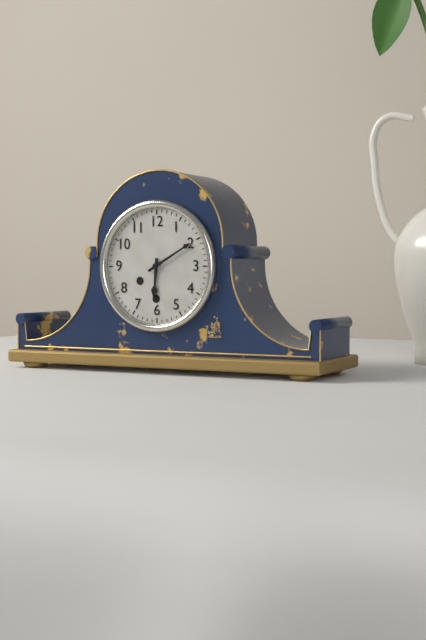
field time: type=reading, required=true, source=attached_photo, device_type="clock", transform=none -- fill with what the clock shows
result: 6:10
